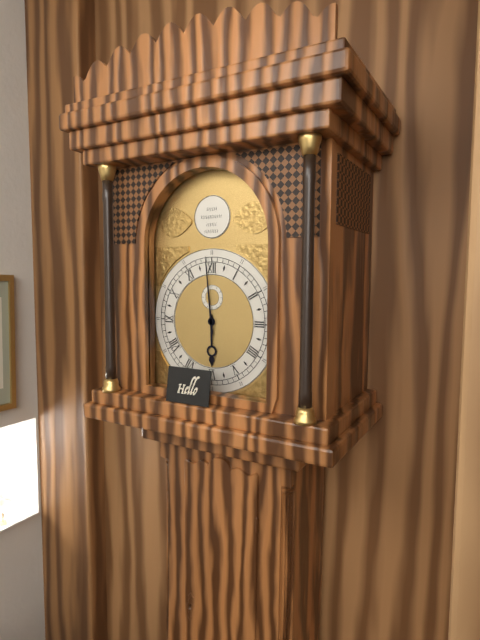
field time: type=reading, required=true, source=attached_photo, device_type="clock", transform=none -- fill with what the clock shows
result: 5:59
